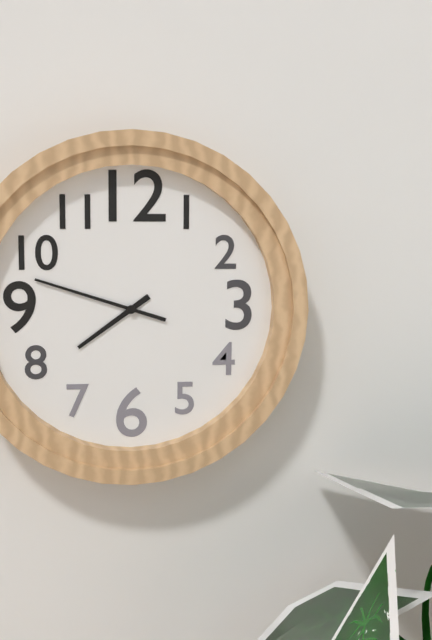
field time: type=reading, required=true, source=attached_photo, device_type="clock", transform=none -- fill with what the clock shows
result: 7:48
